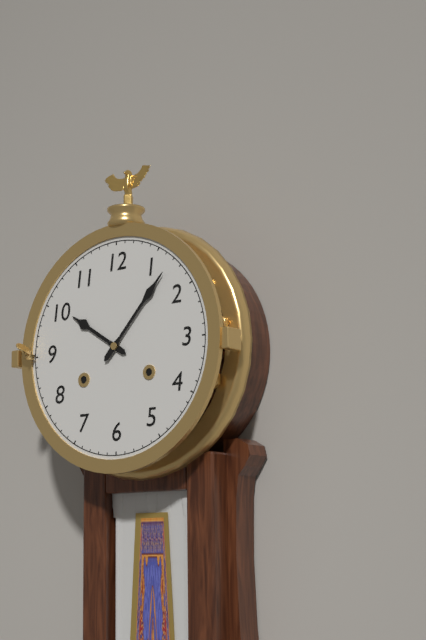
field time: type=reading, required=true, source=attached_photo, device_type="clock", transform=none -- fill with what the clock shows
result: 10:07
